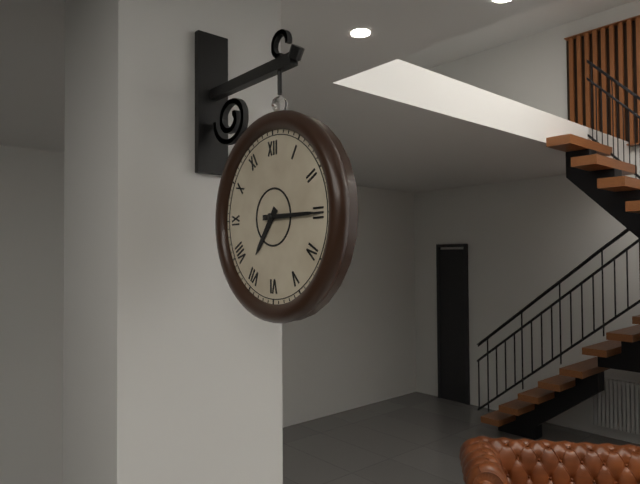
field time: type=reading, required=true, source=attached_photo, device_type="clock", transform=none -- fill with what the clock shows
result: 7:15
